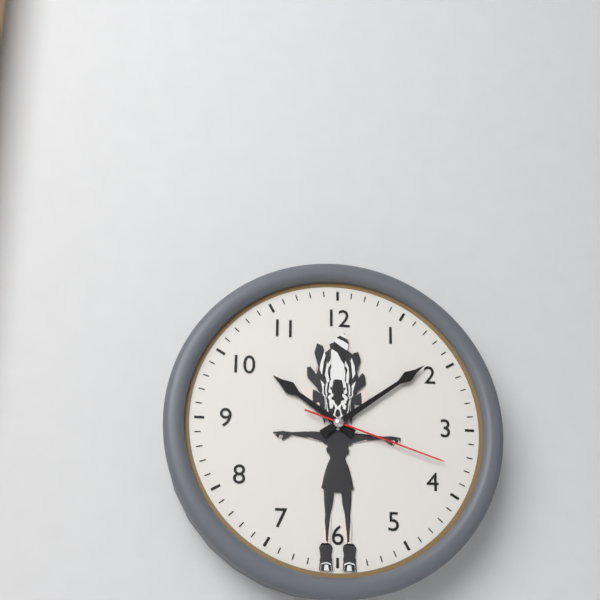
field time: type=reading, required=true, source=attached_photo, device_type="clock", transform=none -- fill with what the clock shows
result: 10:09:18
